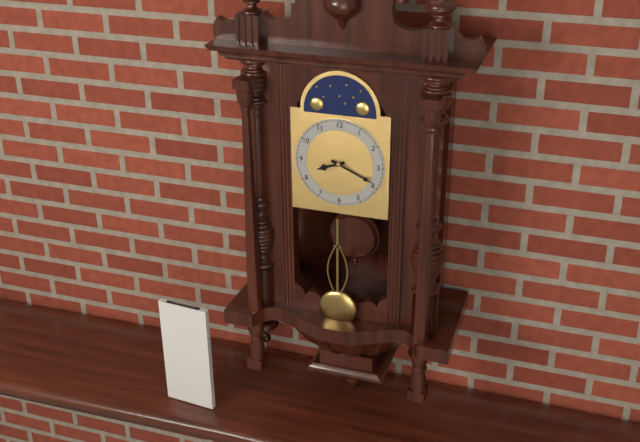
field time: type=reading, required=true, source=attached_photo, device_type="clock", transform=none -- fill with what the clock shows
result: 8:19
